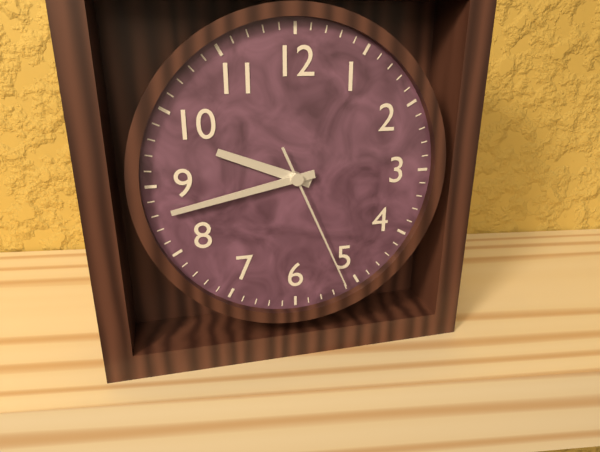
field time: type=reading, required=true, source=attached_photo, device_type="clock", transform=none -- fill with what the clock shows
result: 9:43:26
